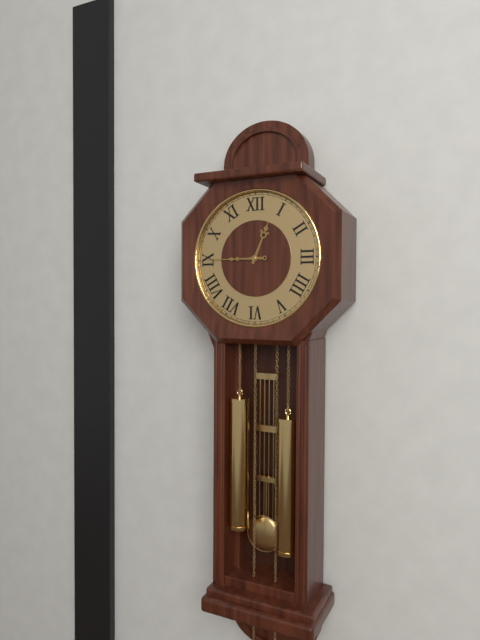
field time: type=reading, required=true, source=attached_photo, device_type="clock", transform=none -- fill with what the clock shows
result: 12:45
